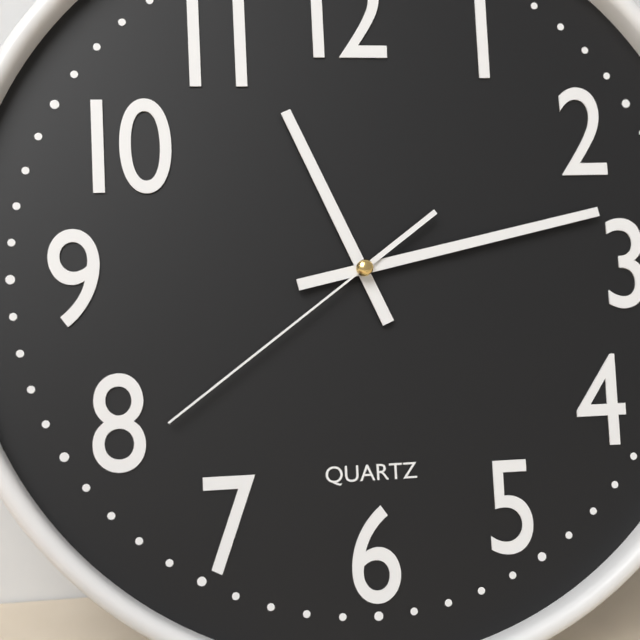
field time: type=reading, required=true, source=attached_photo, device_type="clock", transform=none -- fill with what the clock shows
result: 11:13:39
